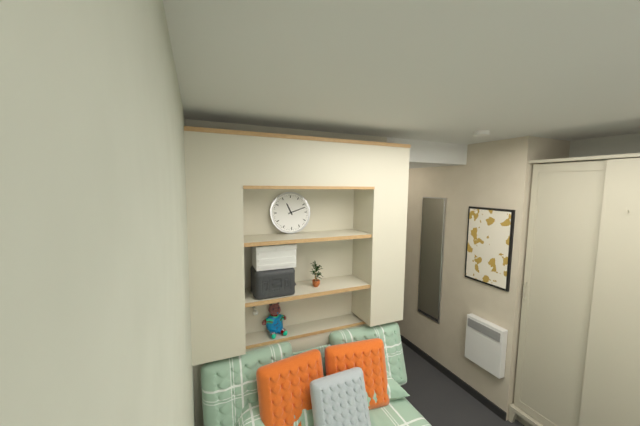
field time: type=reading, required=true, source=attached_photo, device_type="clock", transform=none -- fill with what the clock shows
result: 11:12
